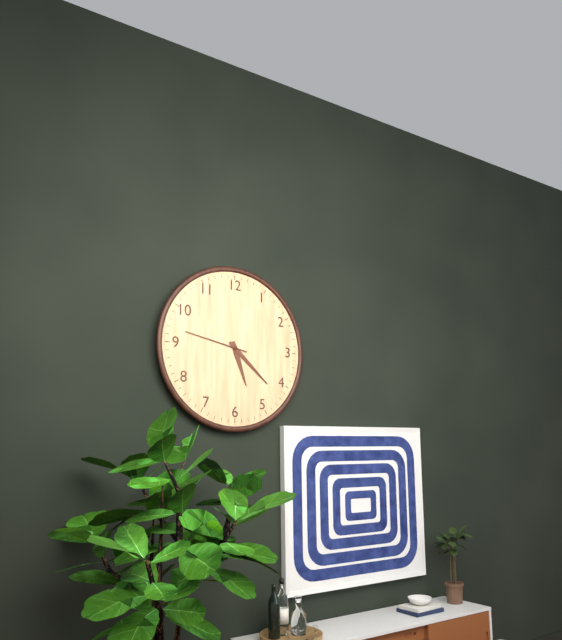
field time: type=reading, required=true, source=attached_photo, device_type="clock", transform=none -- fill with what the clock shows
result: 5:22:47
